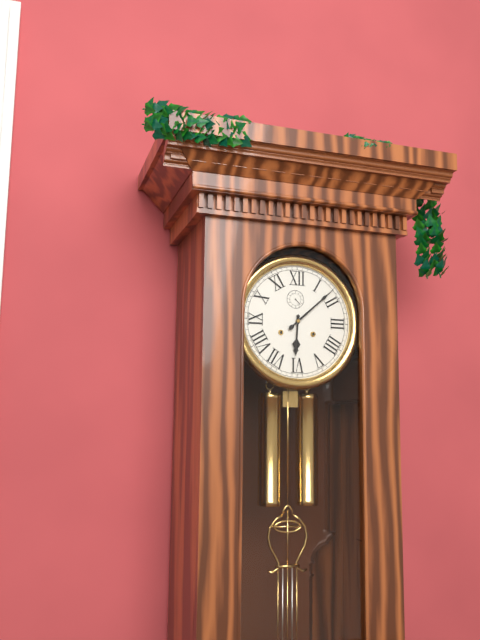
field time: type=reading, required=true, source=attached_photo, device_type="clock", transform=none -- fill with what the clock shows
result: 6:08
